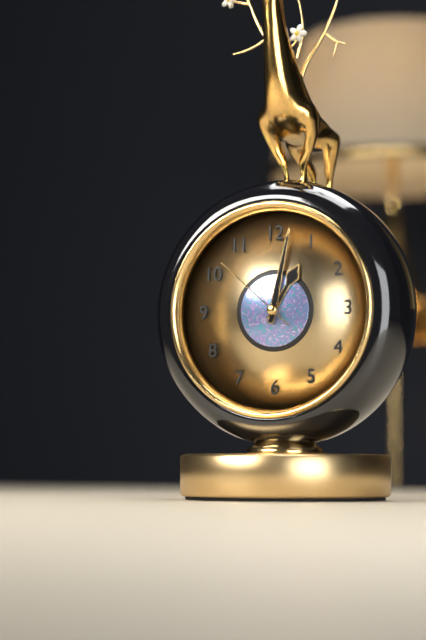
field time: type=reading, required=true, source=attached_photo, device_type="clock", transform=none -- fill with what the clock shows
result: 1:02:52
